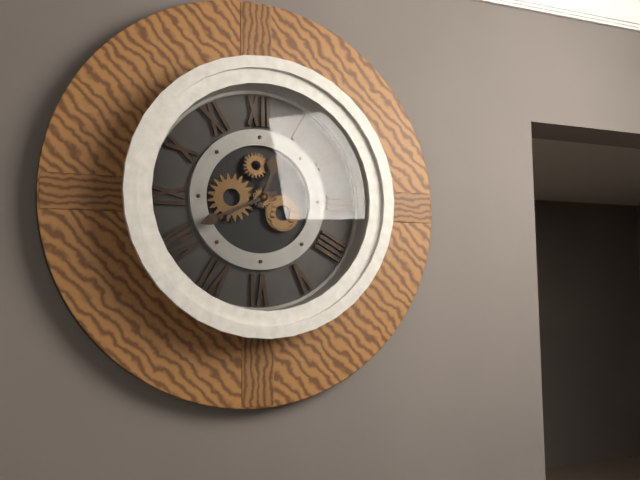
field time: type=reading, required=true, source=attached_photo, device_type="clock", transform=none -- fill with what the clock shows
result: 12:41
